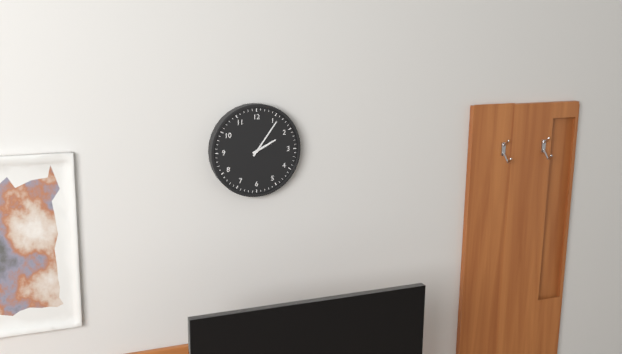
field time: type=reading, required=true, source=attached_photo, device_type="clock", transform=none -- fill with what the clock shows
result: 2:06
